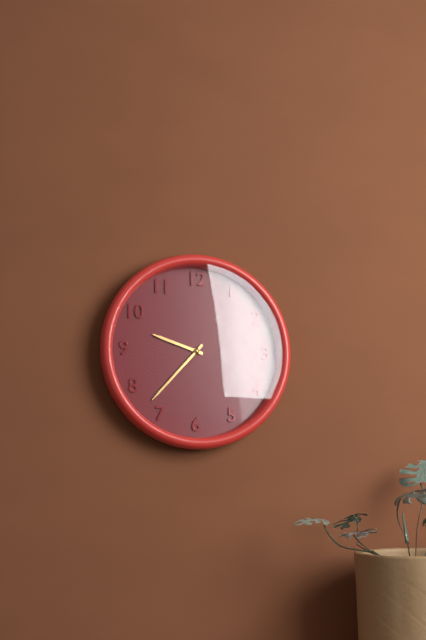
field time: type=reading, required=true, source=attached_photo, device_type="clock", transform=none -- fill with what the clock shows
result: 9:37
